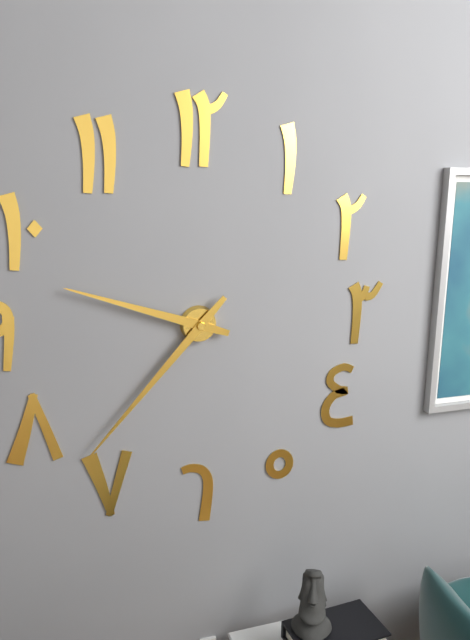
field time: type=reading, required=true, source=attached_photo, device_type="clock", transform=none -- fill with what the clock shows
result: 9:37
